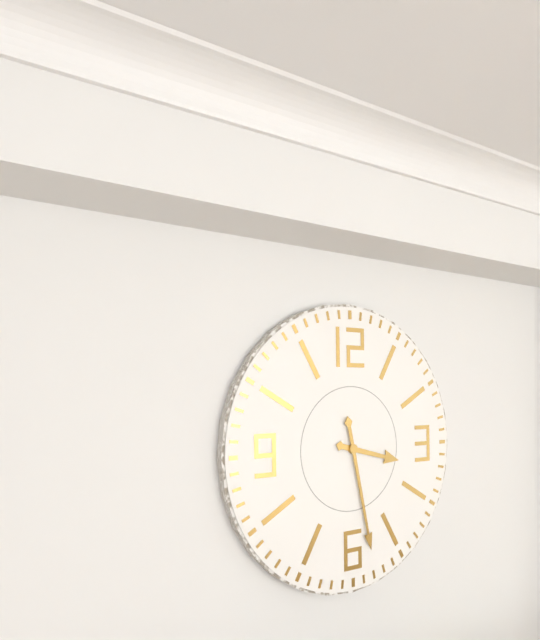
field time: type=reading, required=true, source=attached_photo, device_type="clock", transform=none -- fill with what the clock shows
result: 3:28
